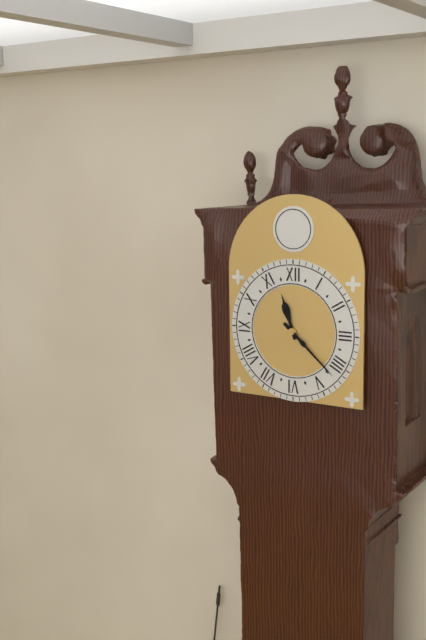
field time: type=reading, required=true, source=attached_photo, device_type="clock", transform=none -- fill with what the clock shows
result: 11:22
